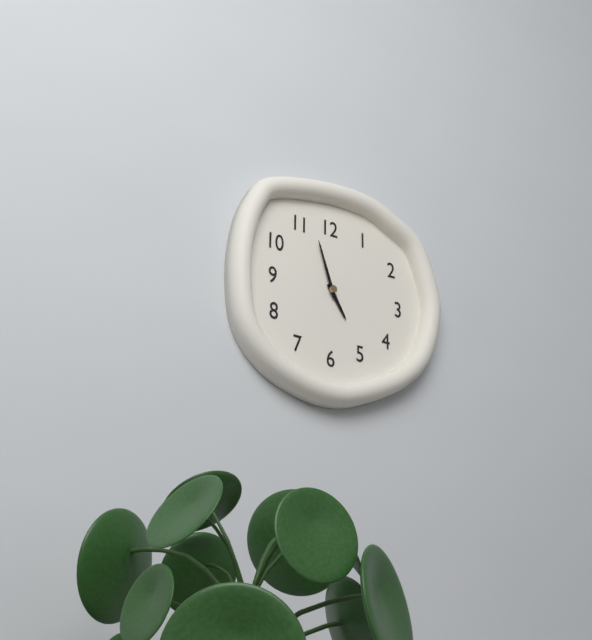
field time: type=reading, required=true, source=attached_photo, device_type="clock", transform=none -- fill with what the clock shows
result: 4:57
